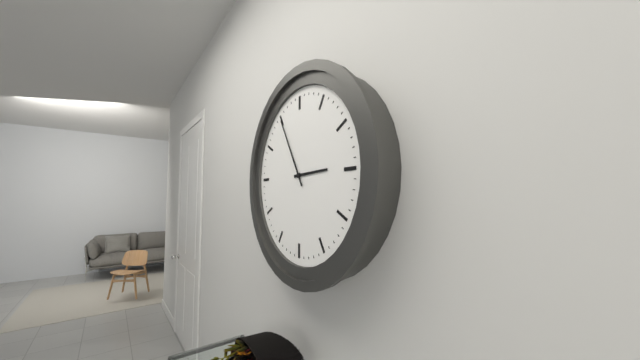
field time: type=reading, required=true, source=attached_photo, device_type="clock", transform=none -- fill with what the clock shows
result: 2:55
